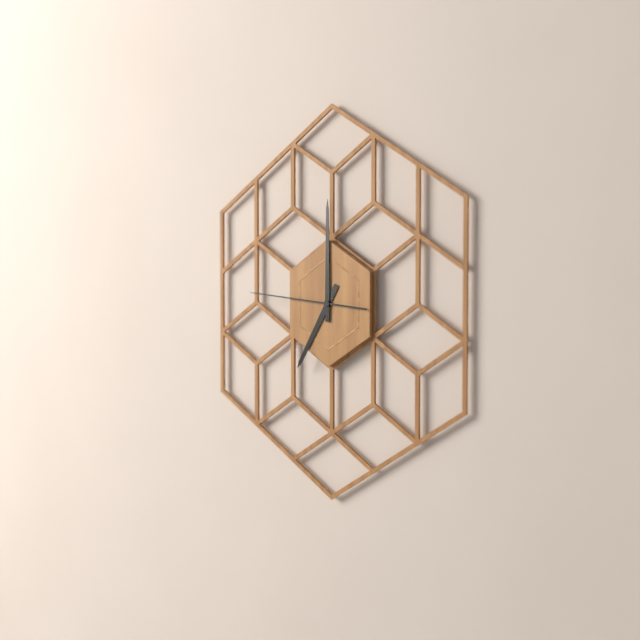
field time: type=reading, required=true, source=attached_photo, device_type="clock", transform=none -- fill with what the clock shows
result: 7:00:46
